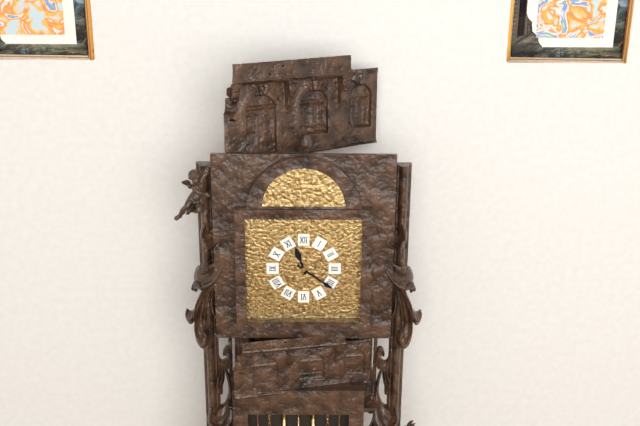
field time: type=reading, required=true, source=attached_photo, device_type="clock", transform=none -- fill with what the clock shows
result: 11:21
